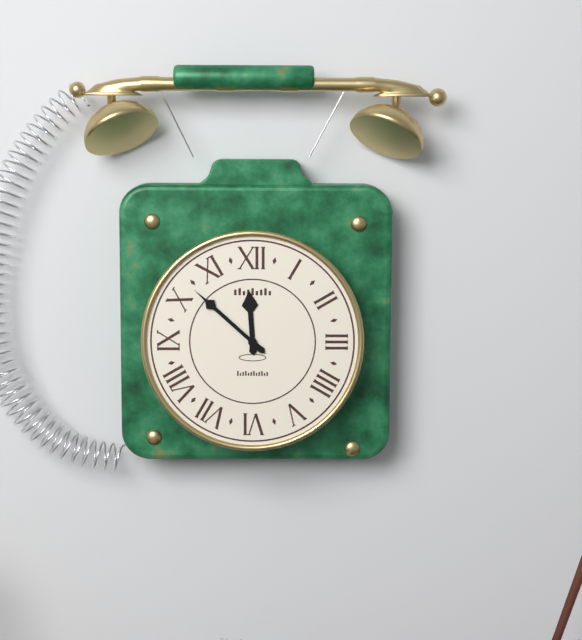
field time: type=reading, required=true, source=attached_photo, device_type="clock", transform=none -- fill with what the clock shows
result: 11:52
